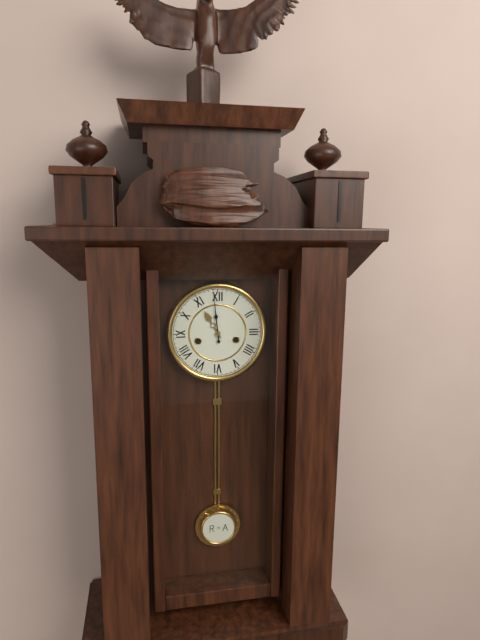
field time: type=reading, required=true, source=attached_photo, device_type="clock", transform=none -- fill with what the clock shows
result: 10:59
